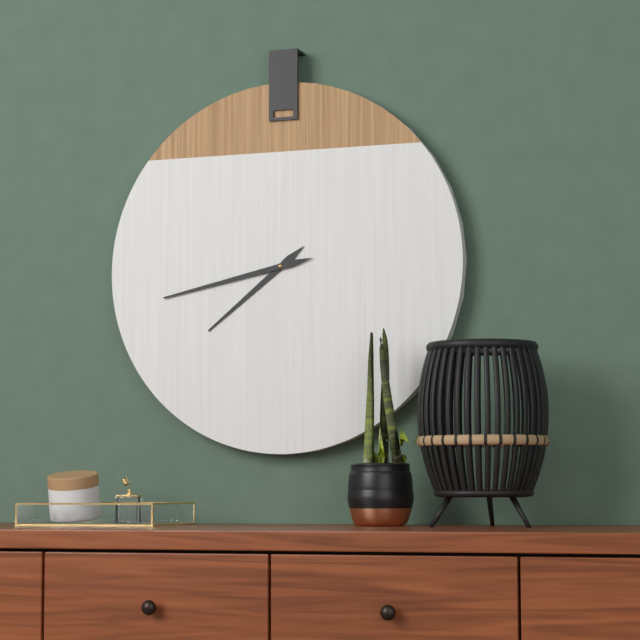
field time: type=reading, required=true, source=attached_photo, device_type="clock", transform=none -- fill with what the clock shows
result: 7:43
